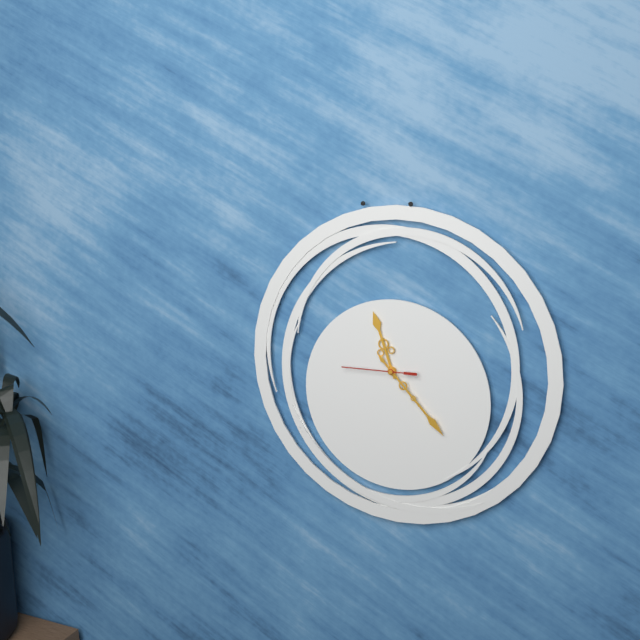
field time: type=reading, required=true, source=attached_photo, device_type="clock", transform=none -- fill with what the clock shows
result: 11:23:45
